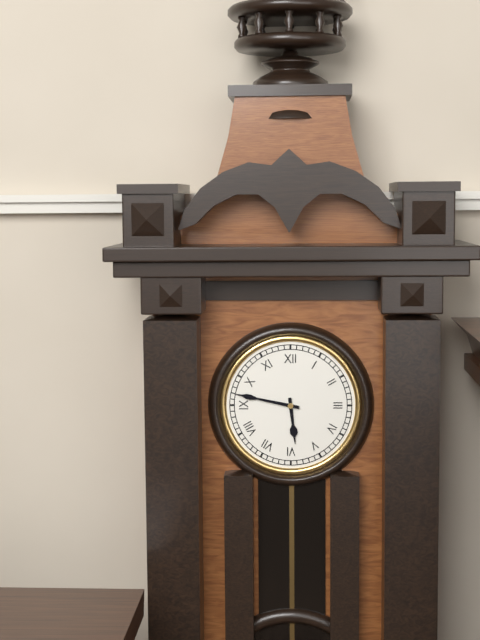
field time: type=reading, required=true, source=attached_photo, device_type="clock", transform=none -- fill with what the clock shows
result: 5:47
